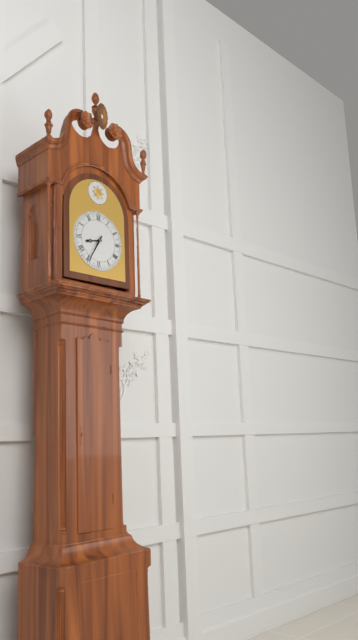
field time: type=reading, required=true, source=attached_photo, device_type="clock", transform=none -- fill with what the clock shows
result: 8:35
